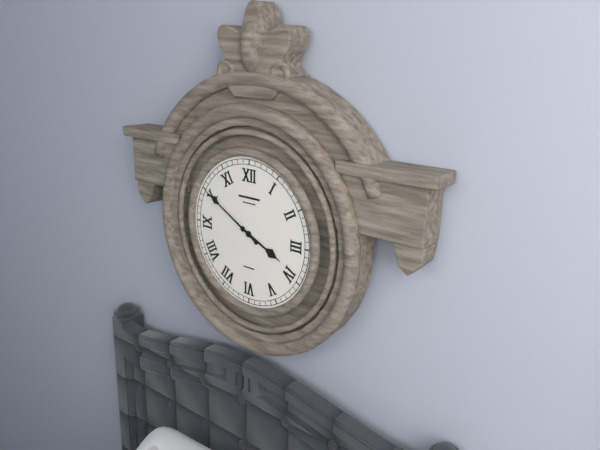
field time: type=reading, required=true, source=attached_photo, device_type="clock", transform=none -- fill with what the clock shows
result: 3:50
